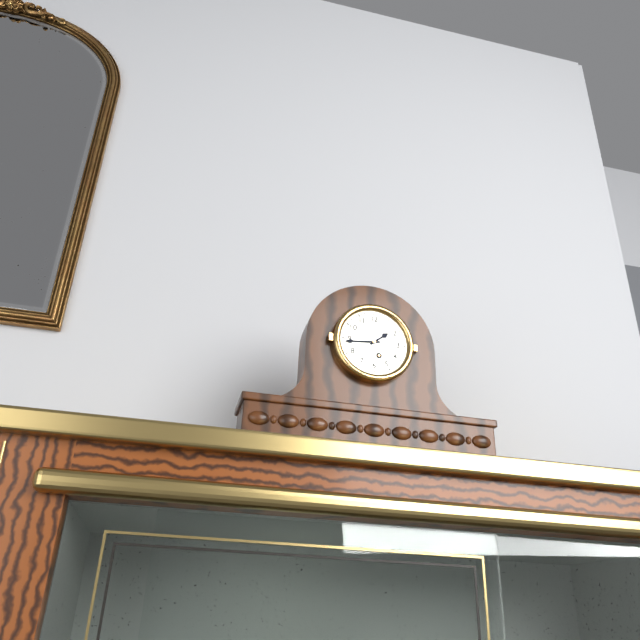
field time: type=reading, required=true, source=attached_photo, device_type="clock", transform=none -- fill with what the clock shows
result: 1:44
